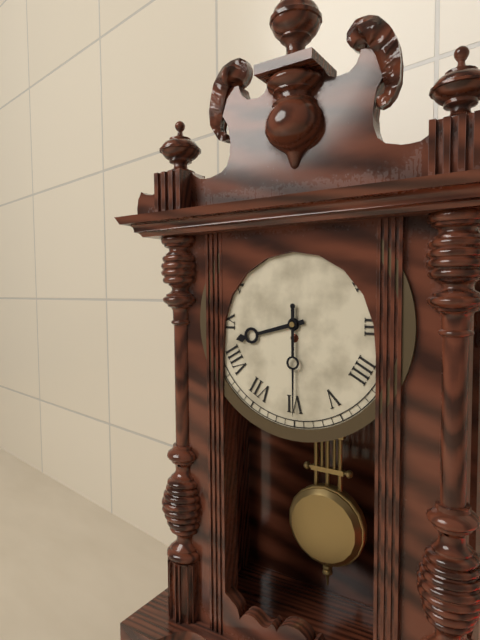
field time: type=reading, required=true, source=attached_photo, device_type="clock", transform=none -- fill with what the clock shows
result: 8:30
